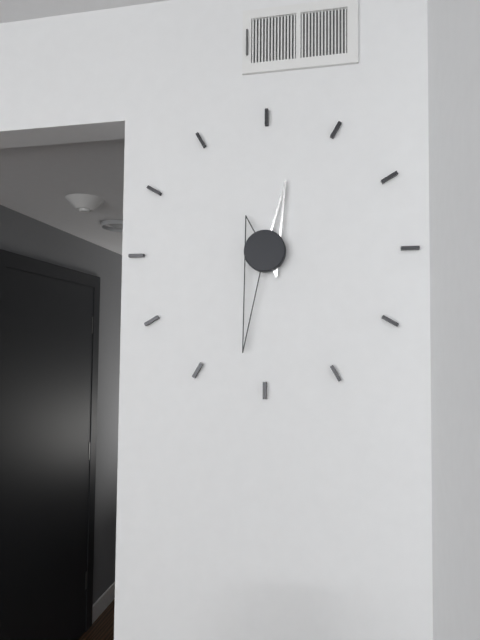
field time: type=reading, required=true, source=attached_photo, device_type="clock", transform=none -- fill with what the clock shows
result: 12:32
